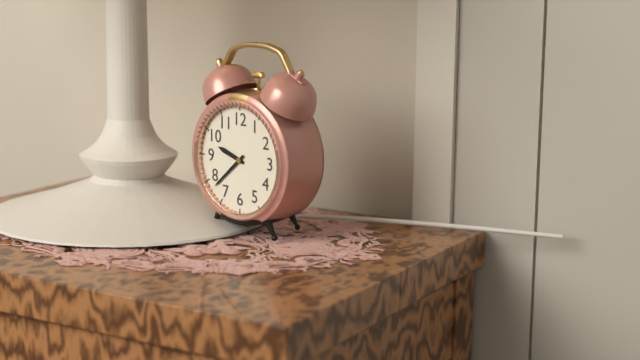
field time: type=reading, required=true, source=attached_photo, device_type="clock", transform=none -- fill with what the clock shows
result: 9:38
